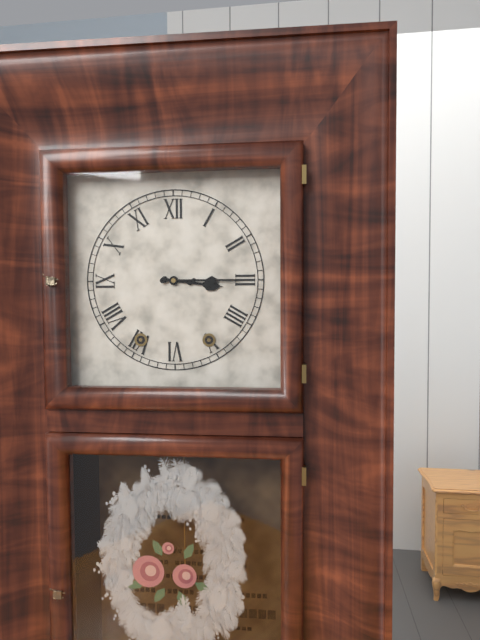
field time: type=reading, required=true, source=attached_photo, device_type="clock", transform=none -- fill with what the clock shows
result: 3:15
